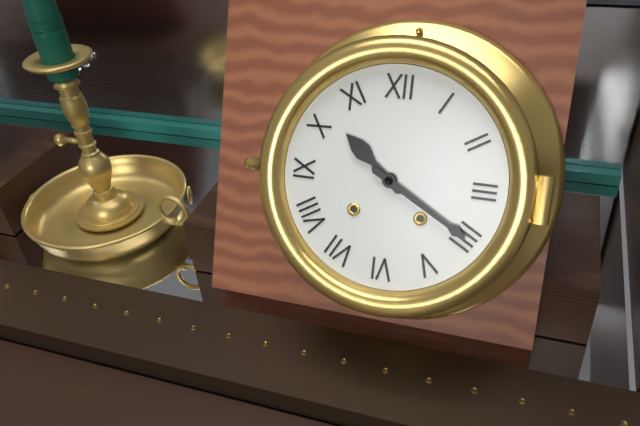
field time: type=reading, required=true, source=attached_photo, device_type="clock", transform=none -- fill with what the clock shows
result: 10:20
